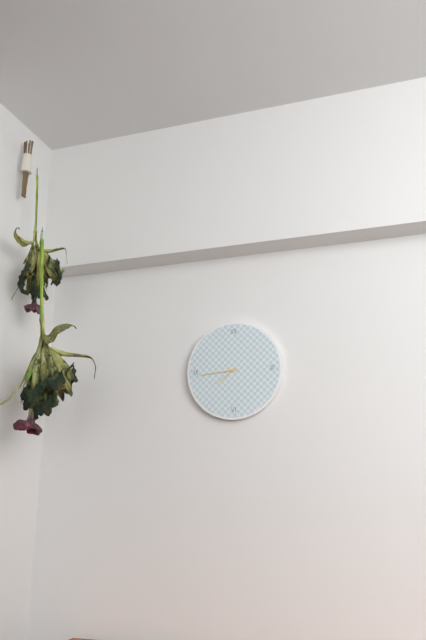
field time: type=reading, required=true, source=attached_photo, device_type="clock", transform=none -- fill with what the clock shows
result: 7:44
